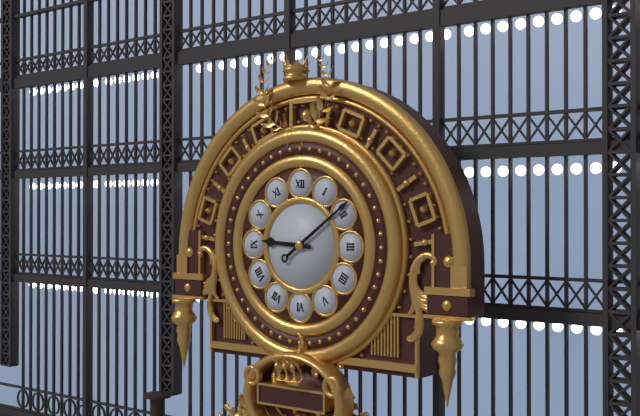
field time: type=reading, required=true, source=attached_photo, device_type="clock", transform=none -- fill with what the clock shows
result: 9:09
